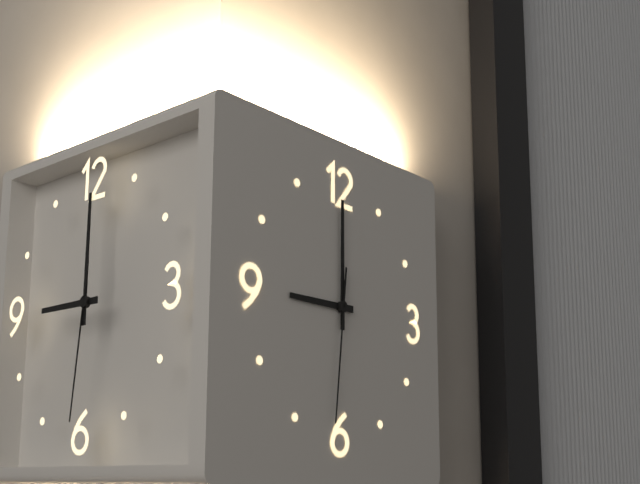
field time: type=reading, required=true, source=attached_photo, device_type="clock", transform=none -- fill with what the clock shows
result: 9:00:31
